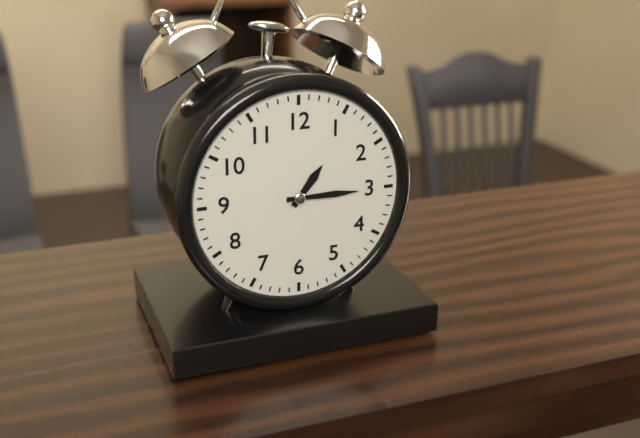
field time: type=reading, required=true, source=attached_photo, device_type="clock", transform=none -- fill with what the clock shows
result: 1:15
